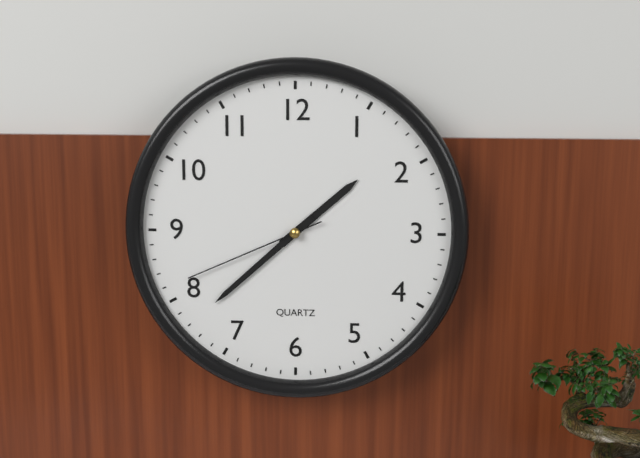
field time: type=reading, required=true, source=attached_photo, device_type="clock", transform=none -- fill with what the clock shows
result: 1:38:41
